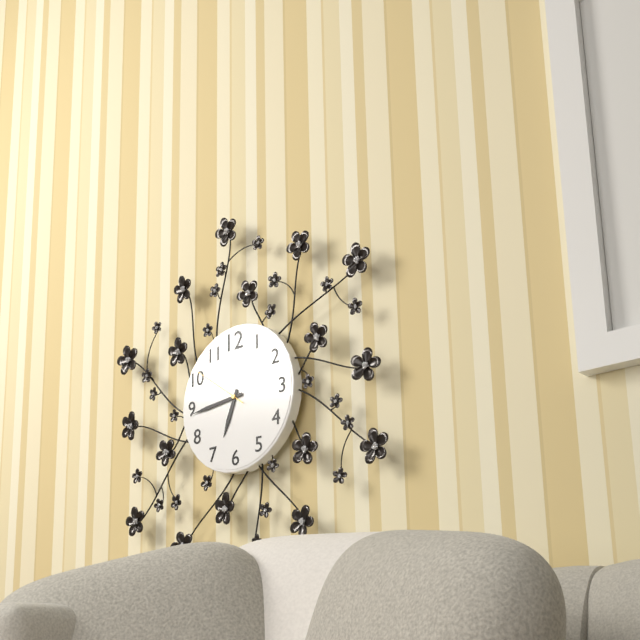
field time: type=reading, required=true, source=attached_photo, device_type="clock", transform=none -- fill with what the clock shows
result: 6:44:51
